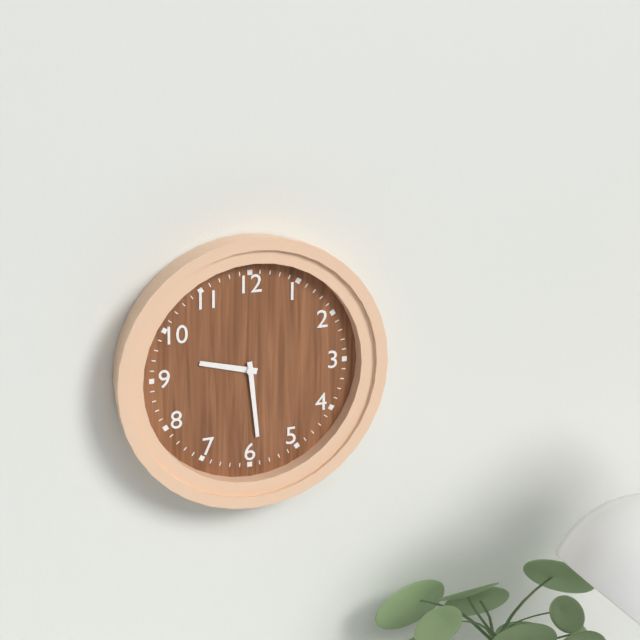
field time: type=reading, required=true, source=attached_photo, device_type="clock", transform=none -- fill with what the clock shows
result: 9:29
